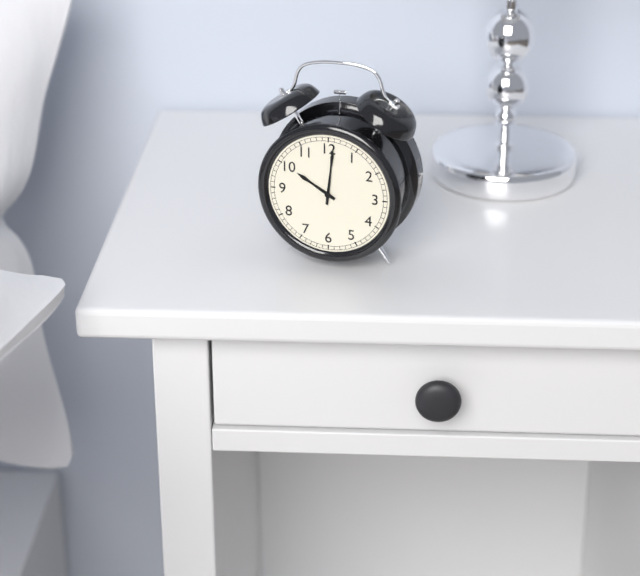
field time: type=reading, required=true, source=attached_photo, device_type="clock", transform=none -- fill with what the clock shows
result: 10:01
